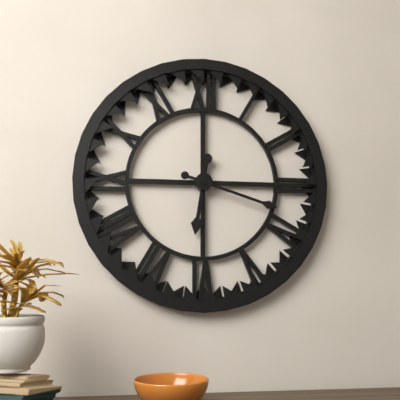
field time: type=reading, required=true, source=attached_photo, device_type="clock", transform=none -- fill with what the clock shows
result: 6:18
